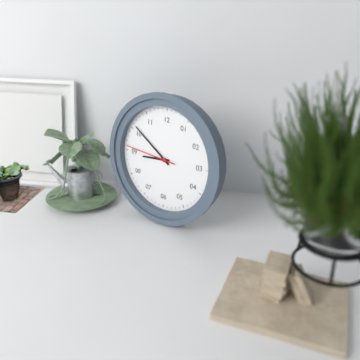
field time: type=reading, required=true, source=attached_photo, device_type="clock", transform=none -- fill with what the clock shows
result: 8:51
